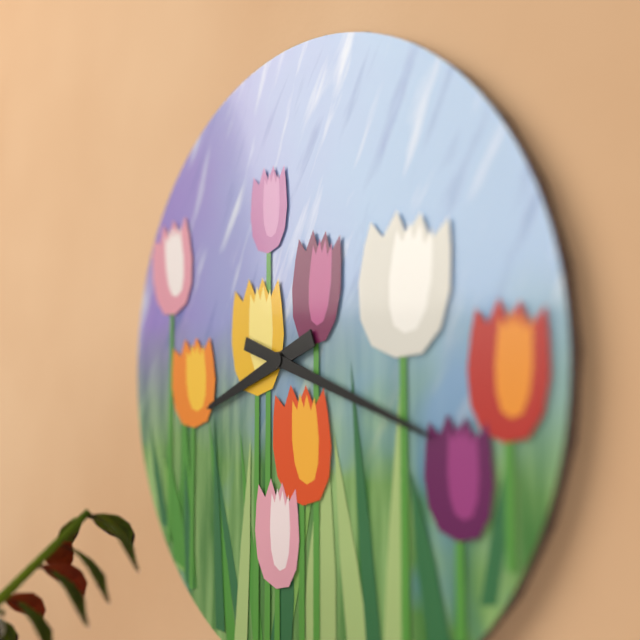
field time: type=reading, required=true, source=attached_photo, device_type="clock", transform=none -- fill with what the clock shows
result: 8:18
